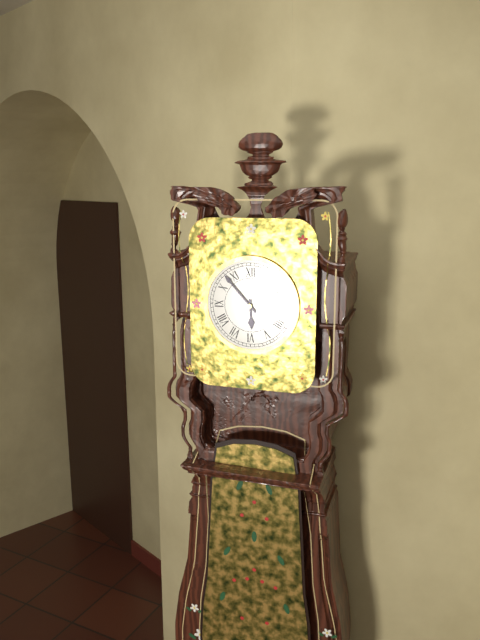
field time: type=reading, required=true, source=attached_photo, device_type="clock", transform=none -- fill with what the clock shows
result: 5:53
